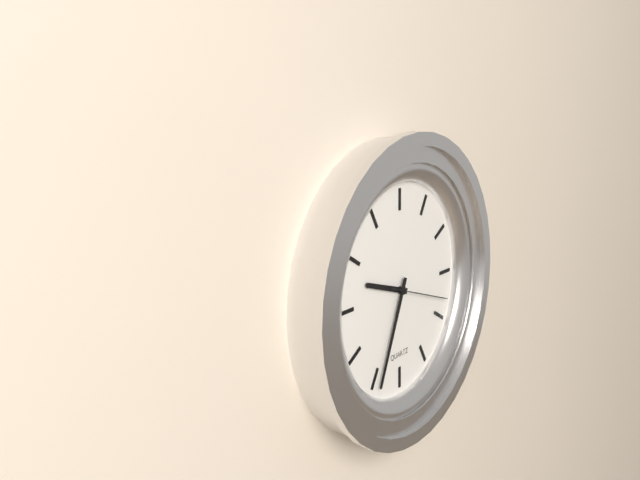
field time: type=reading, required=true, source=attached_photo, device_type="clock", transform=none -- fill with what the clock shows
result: 9:34:18
